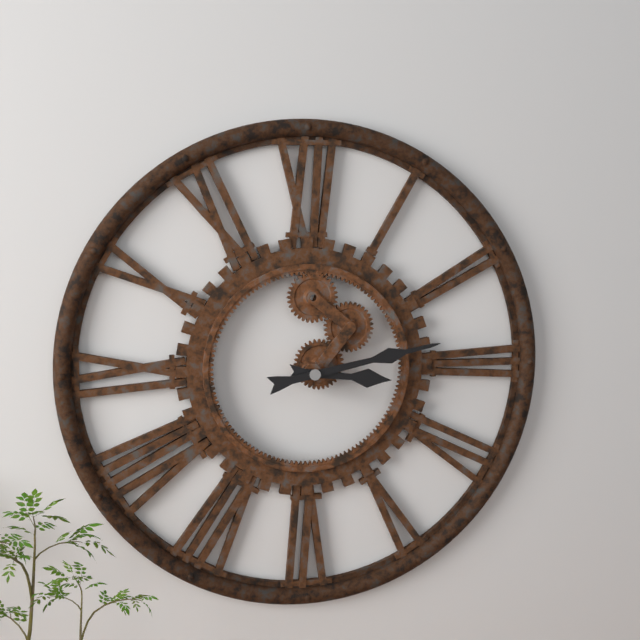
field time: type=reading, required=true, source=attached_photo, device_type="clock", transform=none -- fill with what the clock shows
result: 3:13
